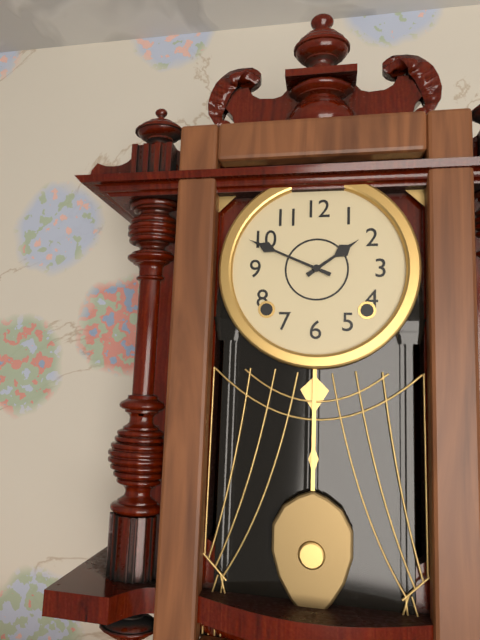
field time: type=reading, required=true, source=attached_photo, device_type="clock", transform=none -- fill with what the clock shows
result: 1:49
